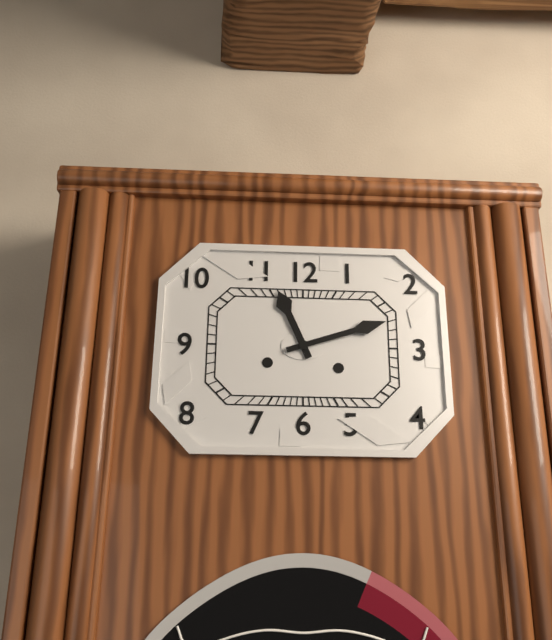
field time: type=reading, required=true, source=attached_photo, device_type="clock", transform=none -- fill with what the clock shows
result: 11:12
